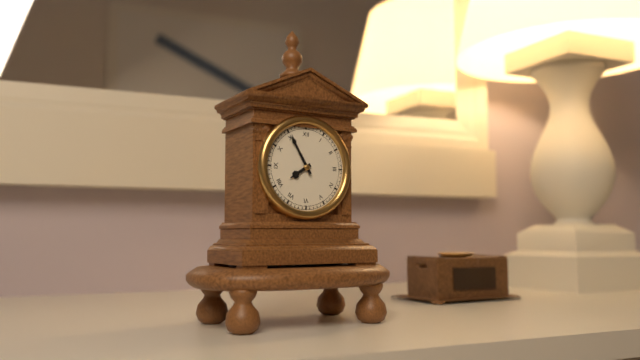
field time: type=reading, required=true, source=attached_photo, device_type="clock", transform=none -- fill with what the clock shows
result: 7:55
